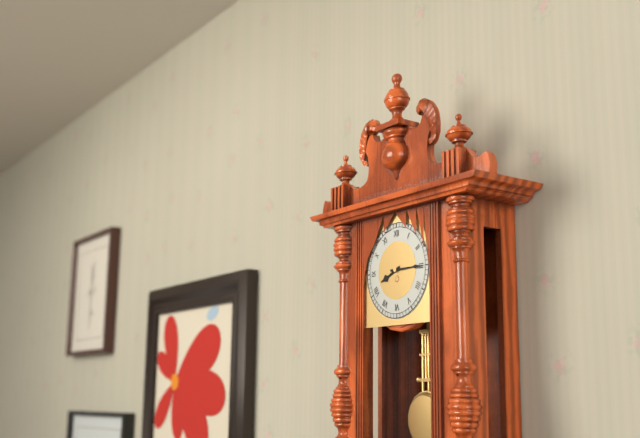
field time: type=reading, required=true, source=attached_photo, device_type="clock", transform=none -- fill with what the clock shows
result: 8:15
